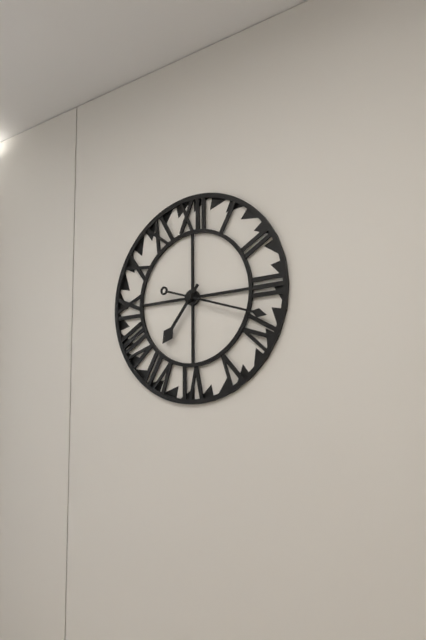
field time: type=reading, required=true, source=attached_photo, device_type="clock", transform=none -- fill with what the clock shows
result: 7:18
